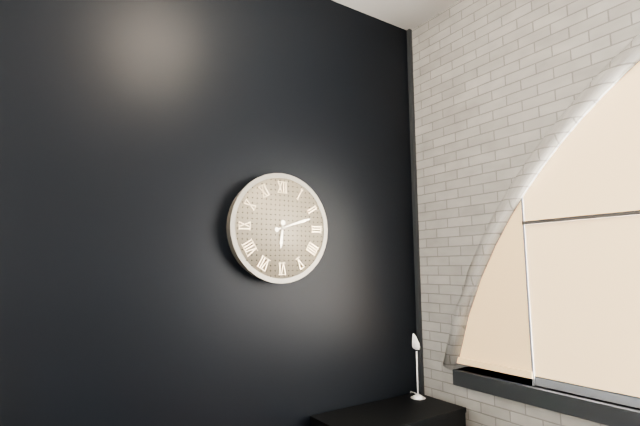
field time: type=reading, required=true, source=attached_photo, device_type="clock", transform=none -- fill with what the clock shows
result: 6:12
